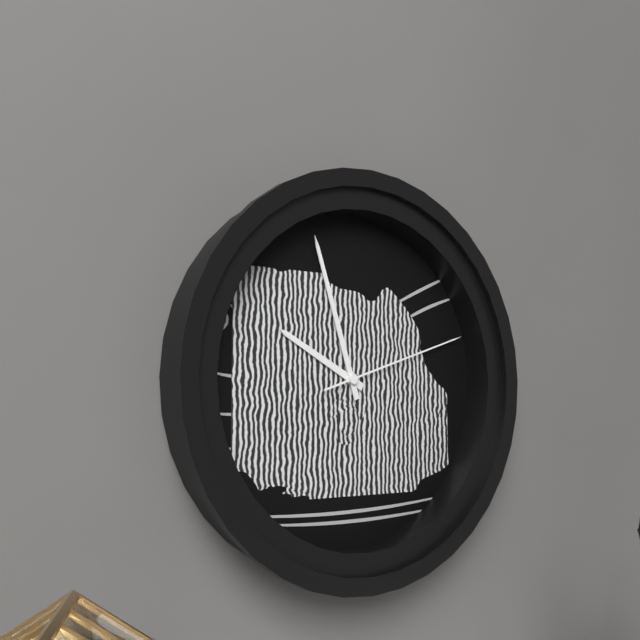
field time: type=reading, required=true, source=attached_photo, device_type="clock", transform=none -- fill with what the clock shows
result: 9:57:12
